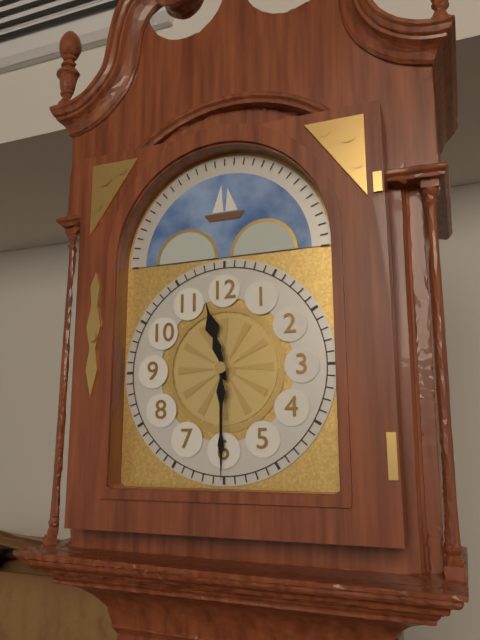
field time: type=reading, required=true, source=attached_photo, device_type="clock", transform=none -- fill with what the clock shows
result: 11:30
